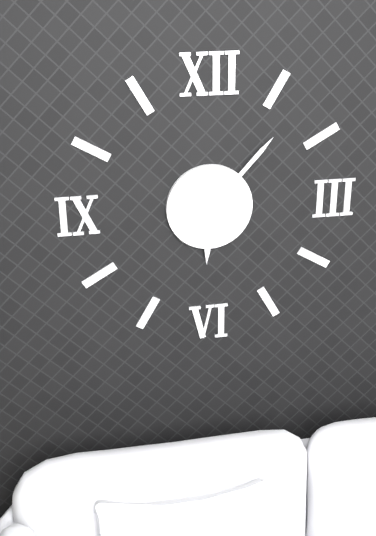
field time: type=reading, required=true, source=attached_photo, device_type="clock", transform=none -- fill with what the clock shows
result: 6:07
